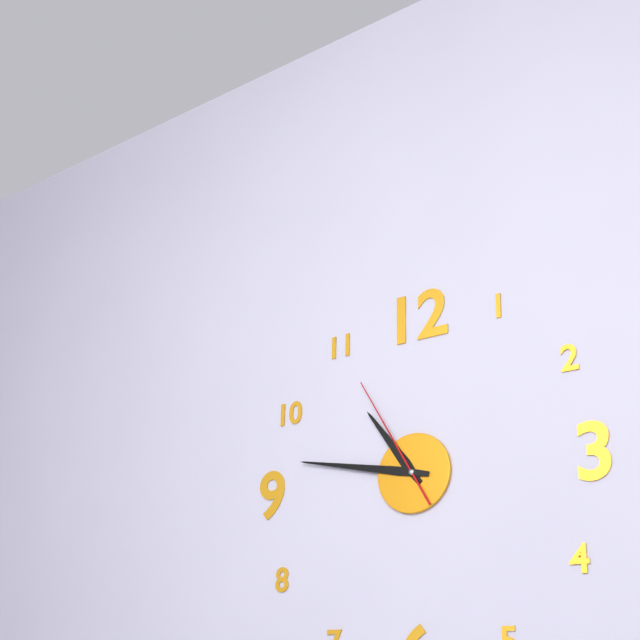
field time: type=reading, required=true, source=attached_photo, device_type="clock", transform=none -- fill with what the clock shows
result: 10:47:55
